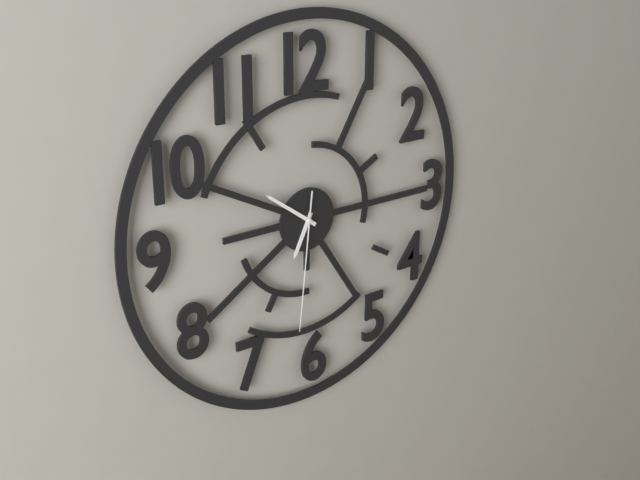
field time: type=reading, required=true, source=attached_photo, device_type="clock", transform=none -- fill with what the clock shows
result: 6:51:31
